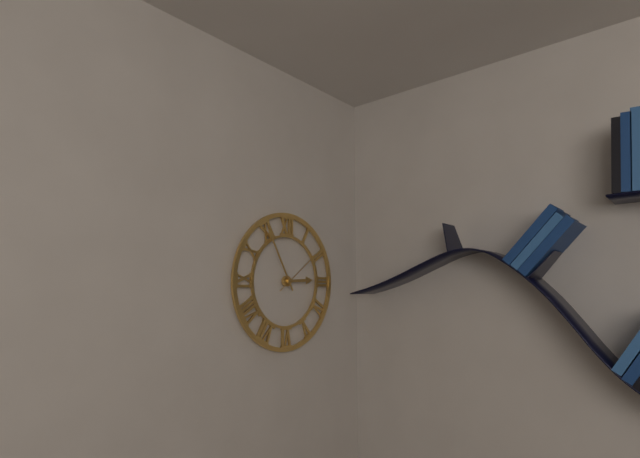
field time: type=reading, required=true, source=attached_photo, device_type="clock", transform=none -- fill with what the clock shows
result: 2:55:09
